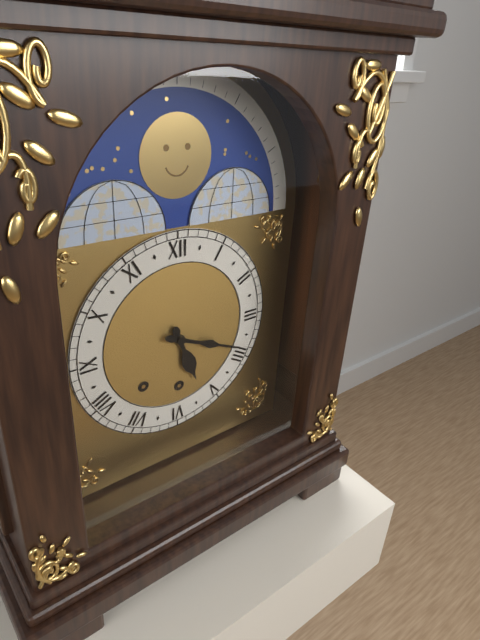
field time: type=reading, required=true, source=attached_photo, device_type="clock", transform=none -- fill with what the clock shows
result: 5:19
